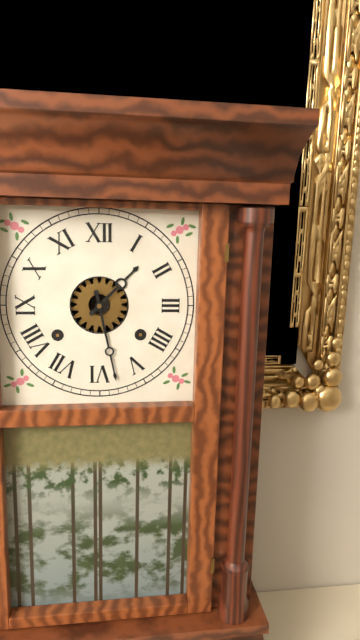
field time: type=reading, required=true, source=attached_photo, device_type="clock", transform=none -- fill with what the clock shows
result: 1:28
